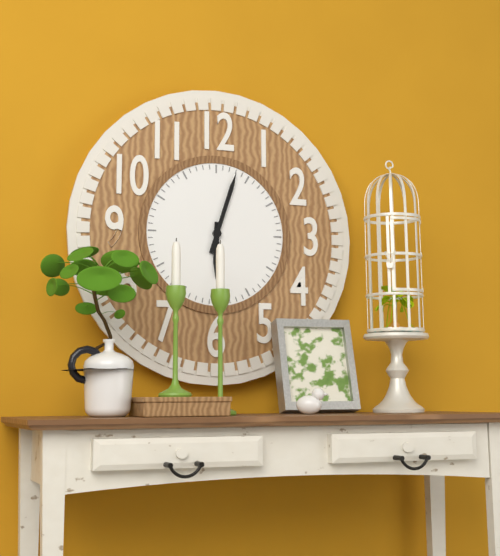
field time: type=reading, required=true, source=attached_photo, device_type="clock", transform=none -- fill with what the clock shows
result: 6:03
